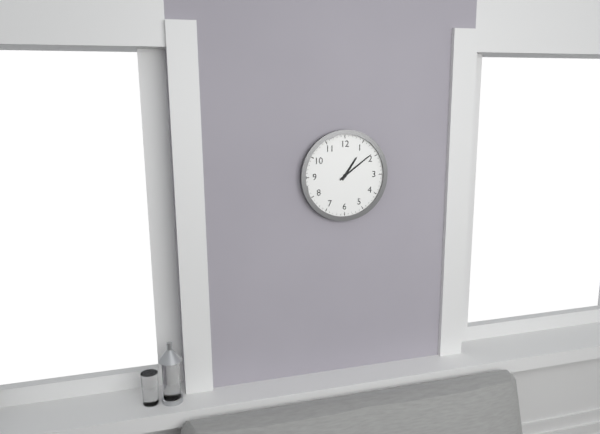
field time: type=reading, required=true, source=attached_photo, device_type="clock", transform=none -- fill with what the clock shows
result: 1:09
